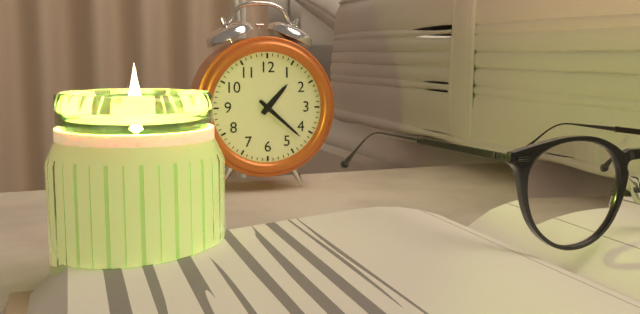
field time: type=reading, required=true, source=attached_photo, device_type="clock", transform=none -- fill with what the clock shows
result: 1:22
